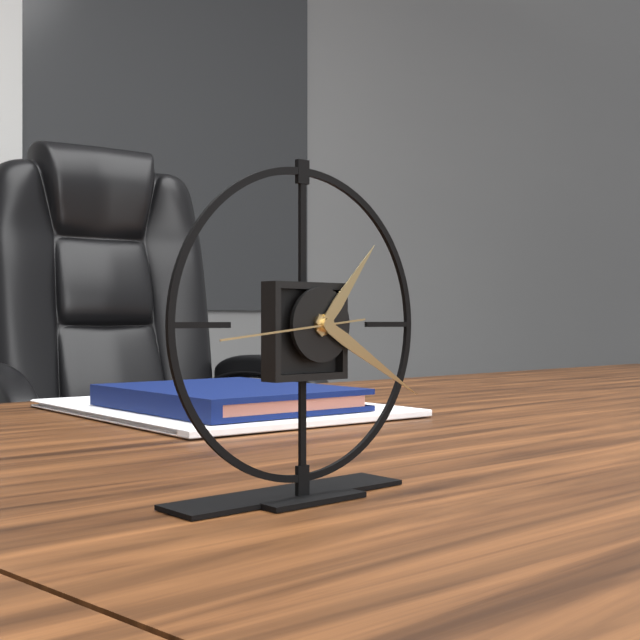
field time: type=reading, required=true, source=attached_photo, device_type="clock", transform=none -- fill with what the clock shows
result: 1:20:44
